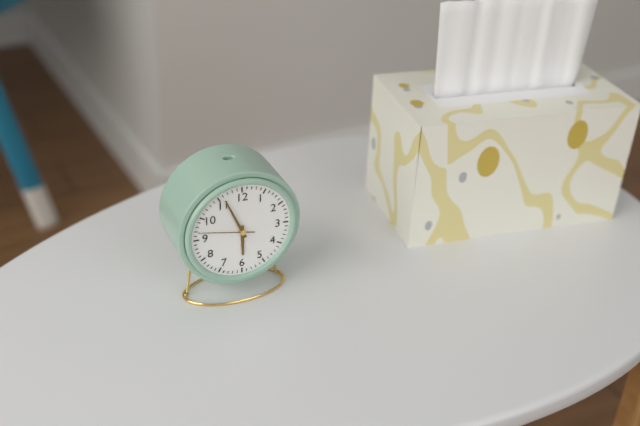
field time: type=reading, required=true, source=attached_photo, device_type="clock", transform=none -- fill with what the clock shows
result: 5:56:47
